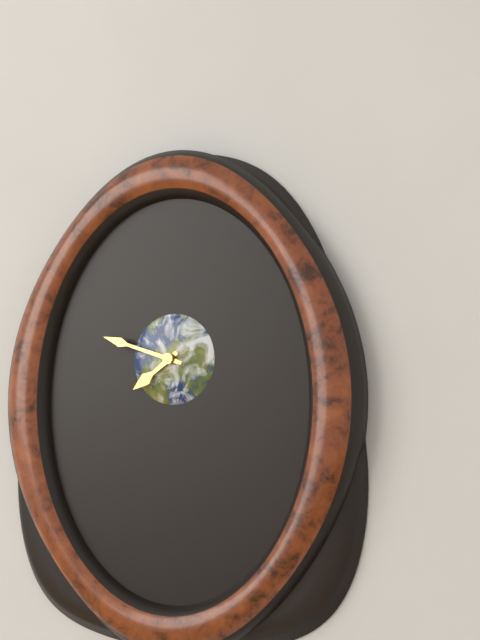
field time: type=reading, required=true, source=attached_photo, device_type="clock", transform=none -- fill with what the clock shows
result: 7:48
